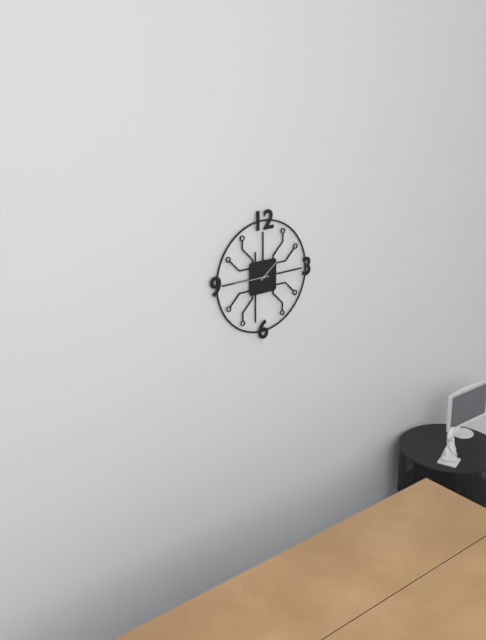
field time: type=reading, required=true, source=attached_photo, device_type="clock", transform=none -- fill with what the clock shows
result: 1:45
